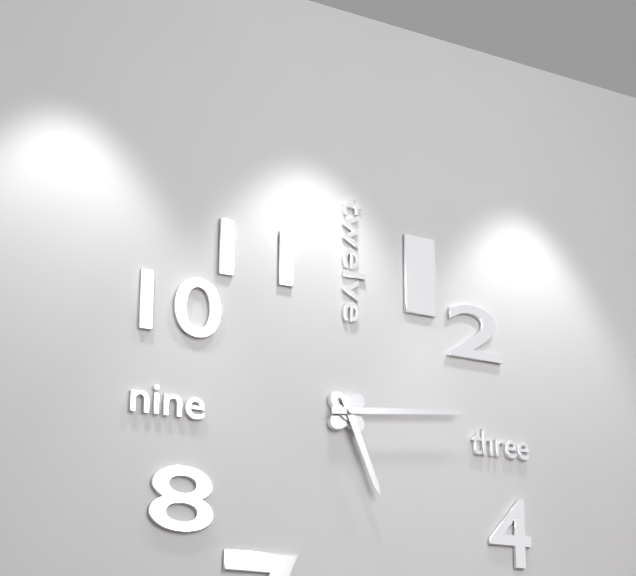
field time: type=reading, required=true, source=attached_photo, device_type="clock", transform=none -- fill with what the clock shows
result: 5:14
